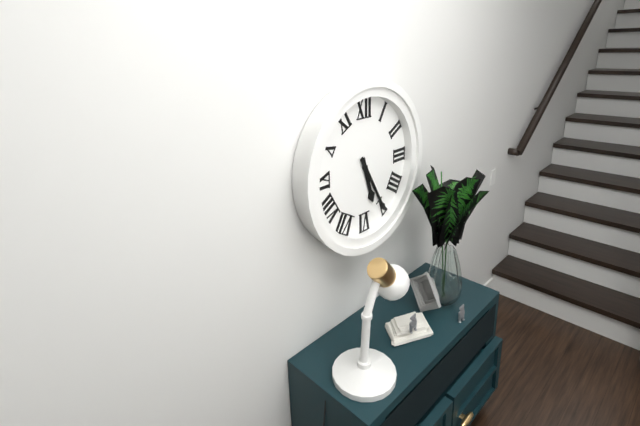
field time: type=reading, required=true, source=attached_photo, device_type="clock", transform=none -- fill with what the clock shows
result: 5:25
